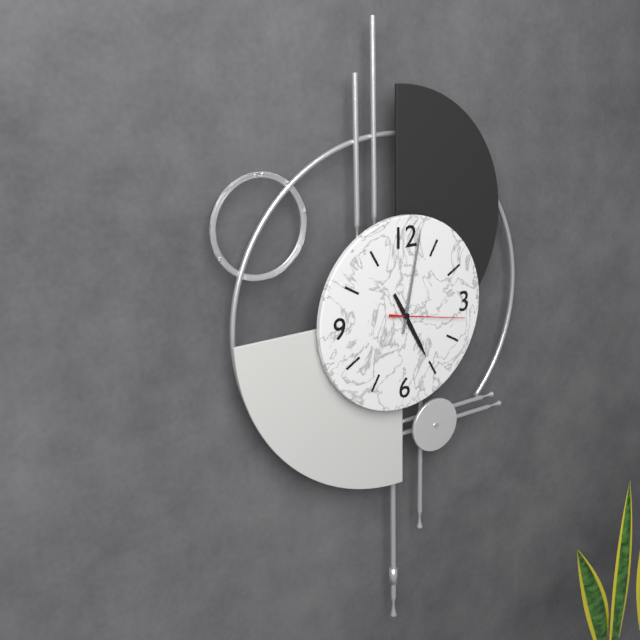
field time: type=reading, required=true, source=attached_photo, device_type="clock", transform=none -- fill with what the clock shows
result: 5:02:17
